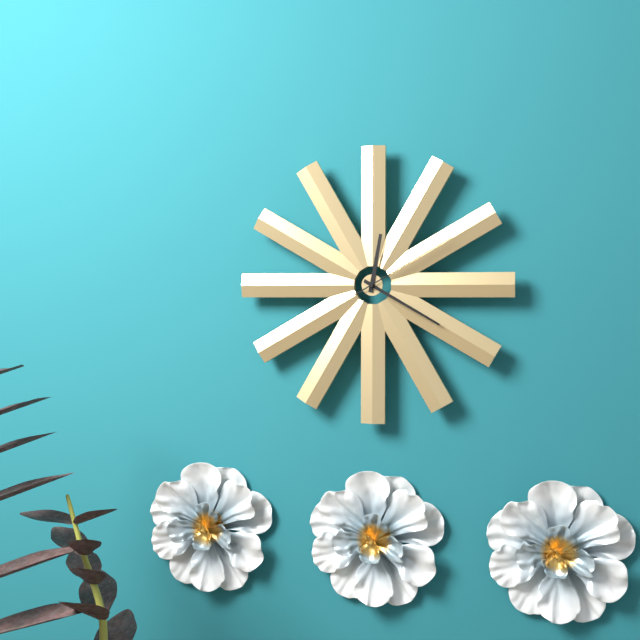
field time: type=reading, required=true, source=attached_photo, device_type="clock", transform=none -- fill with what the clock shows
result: 12:20:10
